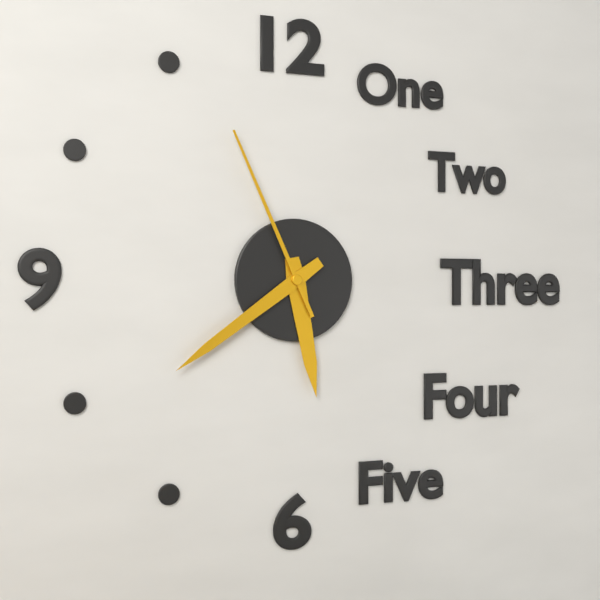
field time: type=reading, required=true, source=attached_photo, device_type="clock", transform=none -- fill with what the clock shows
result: 5:39:56
